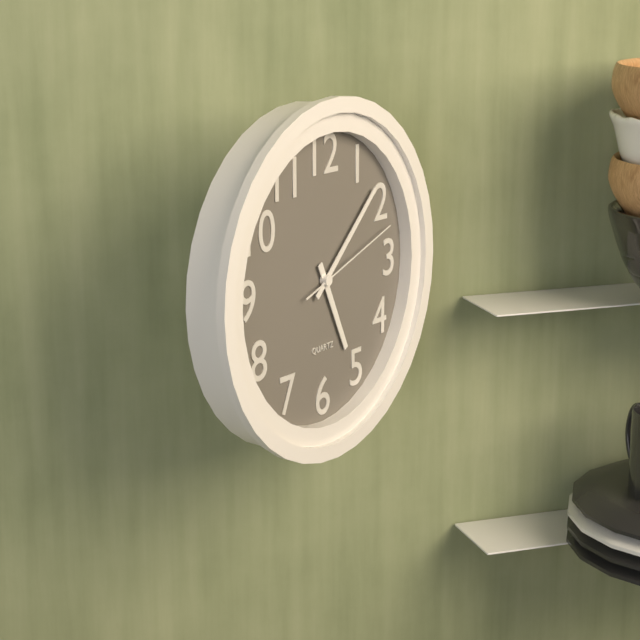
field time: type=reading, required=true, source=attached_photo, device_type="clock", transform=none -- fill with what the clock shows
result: 5:08:12
